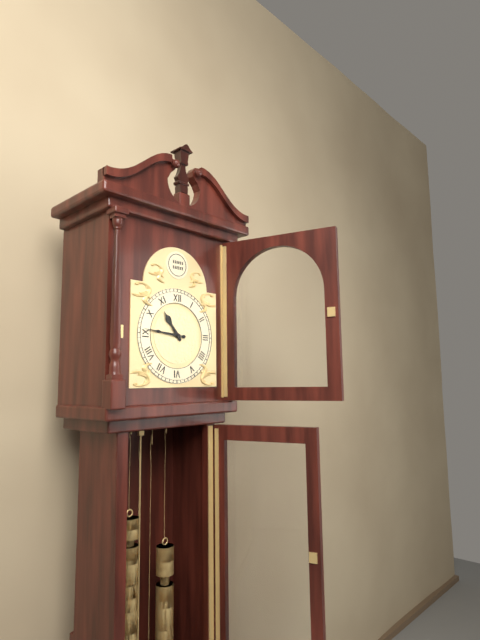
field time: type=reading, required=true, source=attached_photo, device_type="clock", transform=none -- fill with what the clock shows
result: 10:46
